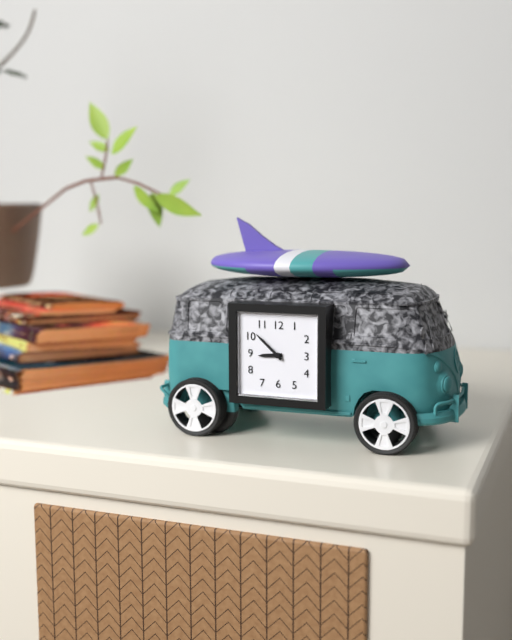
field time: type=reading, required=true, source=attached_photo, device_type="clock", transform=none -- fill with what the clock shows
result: 8:52
